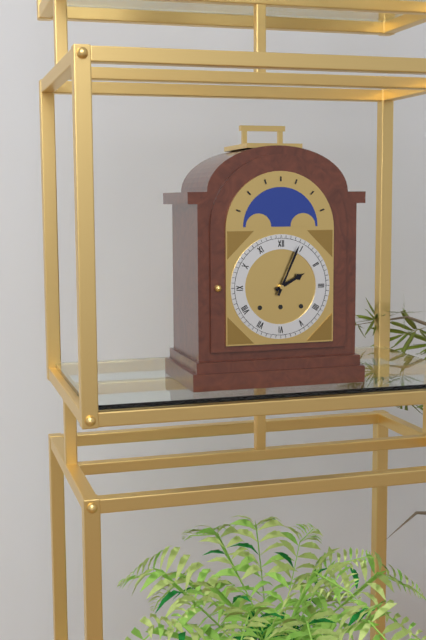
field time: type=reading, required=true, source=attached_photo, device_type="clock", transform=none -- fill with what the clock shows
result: 2:04
